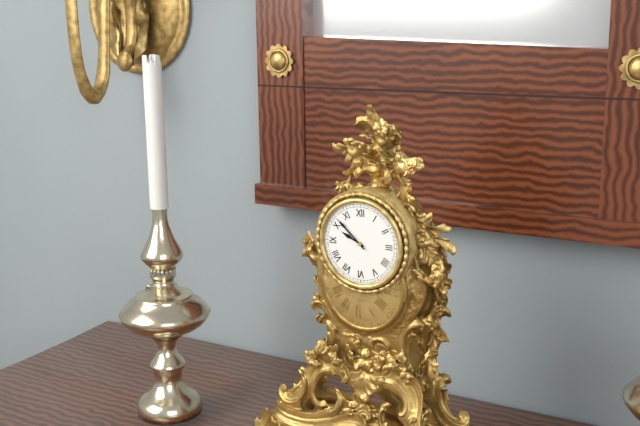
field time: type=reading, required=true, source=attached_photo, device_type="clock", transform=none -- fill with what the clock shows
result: 9:52
